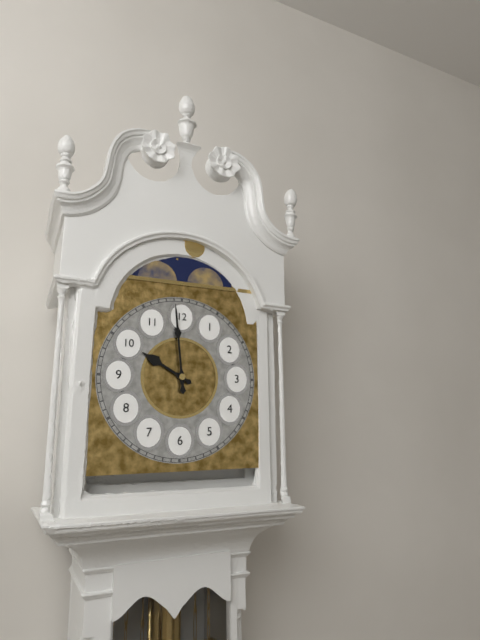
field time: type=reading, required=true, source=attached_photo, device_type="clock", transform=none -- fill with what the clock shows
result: 9:59
